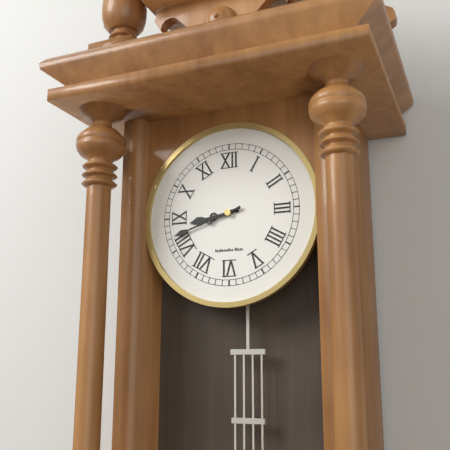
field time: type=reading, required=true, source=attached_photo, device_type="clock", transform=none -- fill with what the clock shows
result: 8:42
